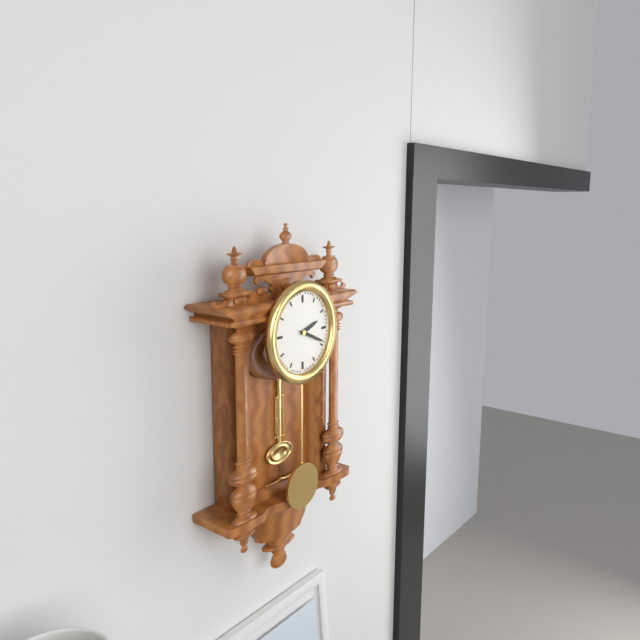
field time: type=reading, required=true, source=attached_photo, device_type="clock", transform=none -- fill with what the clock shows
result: 2:19
